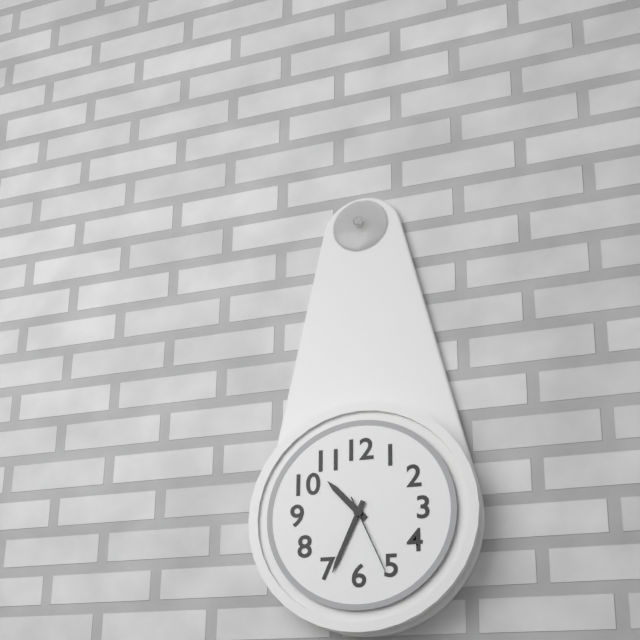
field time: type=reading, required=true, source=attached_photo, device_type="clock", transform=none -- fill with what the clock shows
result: 10:34:26
